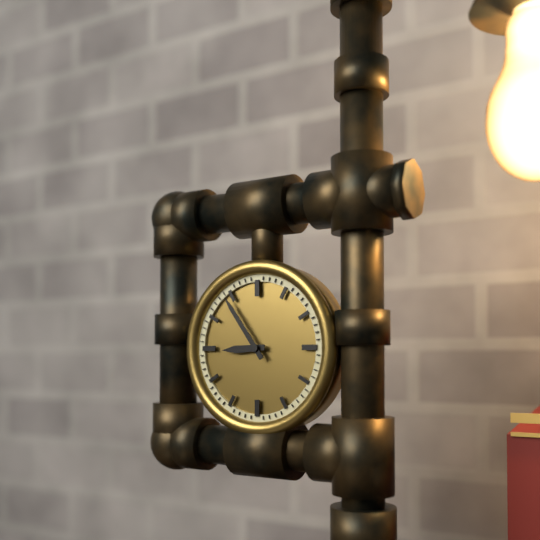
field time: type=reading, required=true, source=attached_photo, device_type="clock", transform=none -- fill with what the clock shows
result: 8:54
